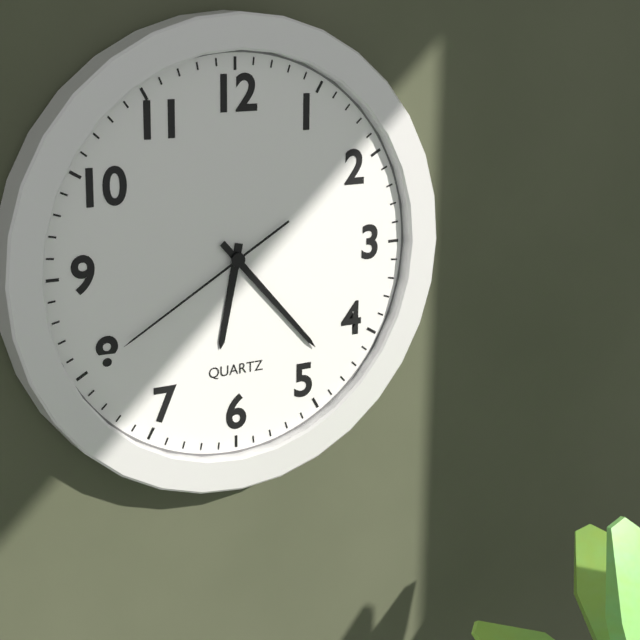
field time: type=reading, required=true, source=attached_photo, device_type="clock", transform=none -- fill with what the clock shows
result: 6:23:40
